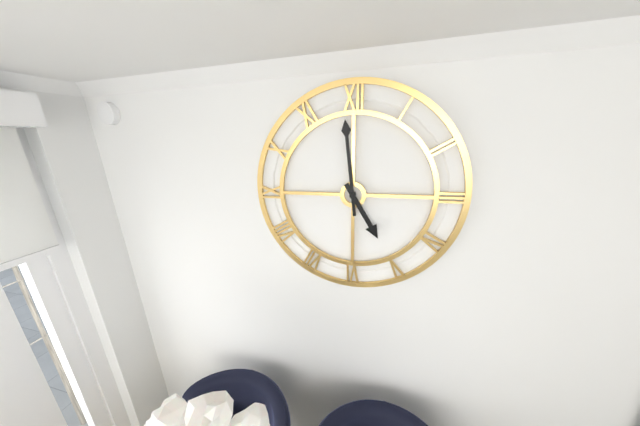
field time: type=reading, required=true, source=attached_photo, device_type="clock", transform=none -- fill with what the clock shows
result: 4:59
